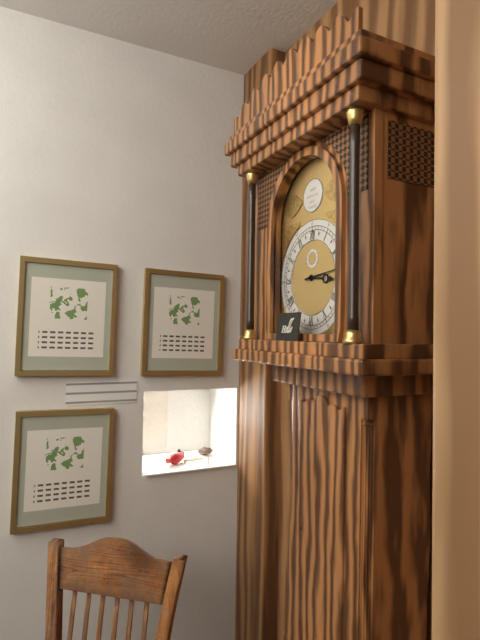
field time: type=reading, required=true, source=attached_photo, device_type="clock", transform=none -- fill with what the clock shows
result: 3:14
